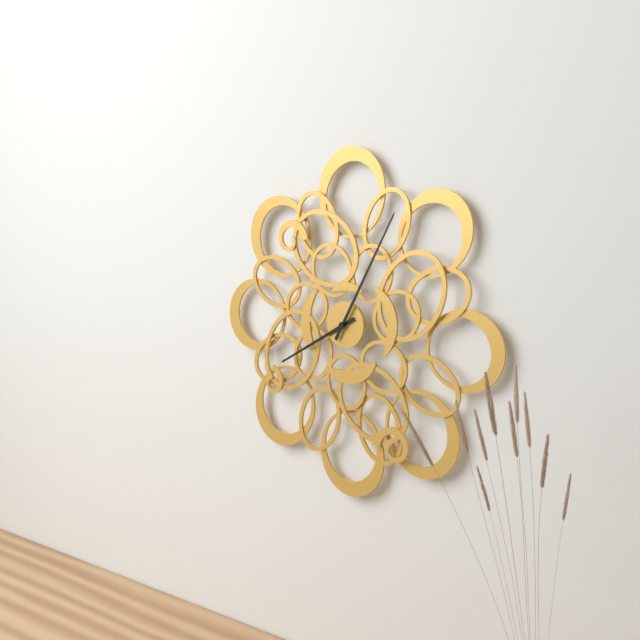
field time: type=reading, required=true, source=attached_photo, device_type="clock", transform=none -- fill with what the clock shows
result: 8:05
